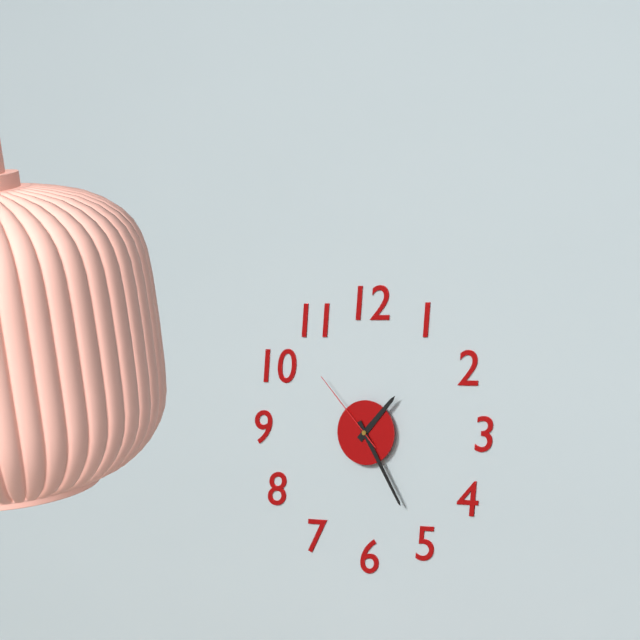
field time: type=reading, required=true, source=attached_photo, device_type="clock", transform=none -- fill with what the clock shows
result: 1:25:53
